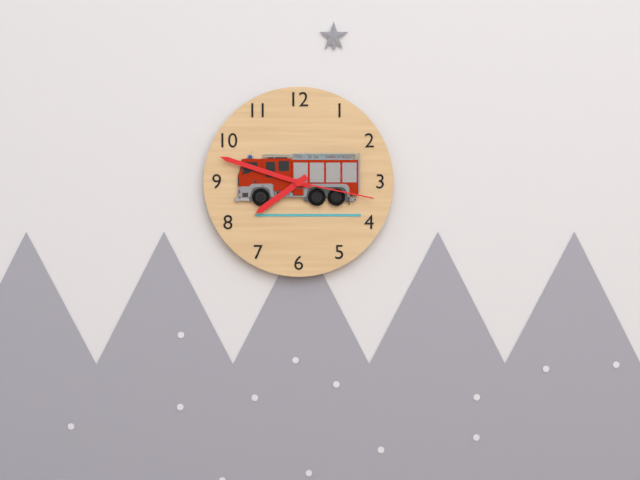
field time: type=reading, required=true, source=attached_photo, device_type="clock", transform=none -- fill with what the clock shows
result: 7:48:17
